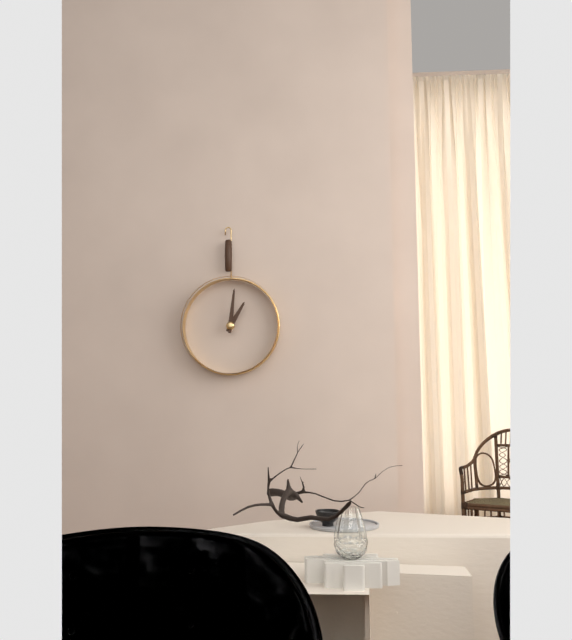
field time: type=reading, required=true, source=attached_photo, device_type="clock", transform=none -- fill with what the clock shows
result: 1:01
